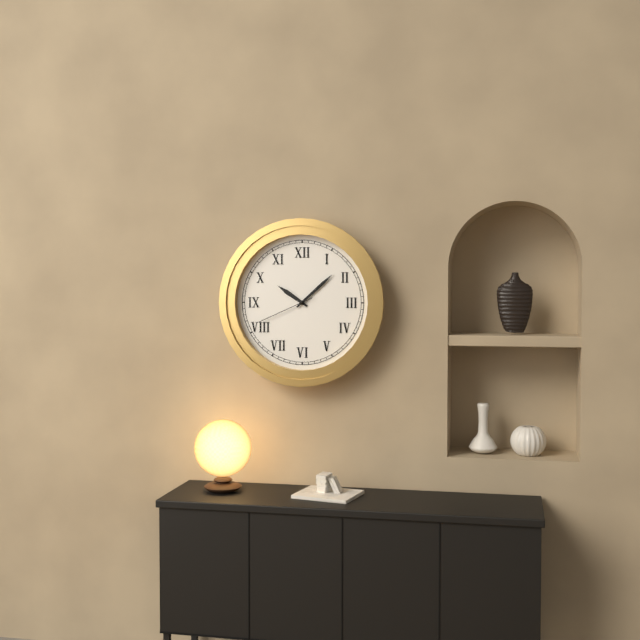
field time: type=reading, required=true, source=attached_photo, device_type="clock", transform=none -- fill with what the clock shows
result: 10:08:41
